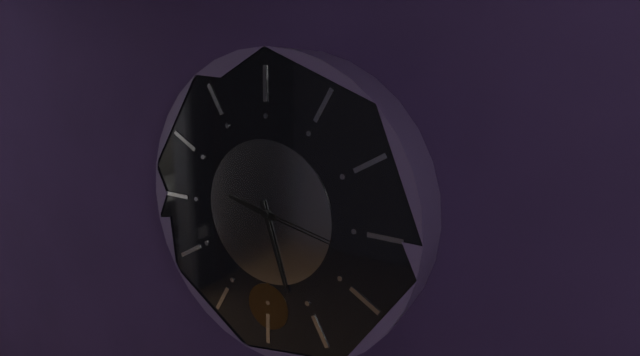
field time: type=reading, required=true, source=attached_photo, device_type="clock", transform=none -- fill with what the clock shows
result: 9:27:17
